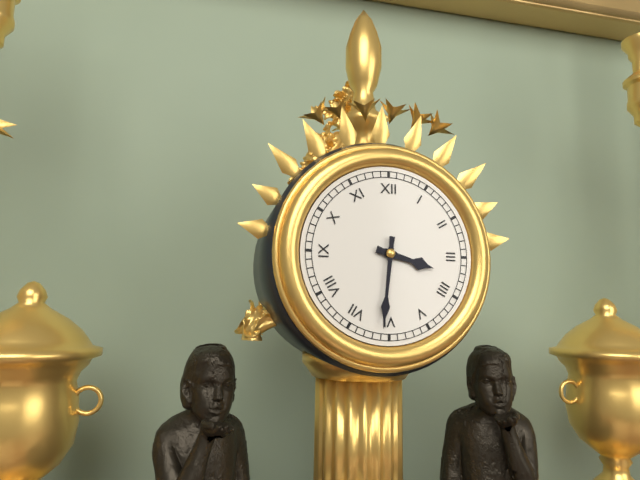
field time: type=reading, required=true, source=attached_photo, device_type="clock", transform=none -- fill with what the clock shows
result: 3:31
